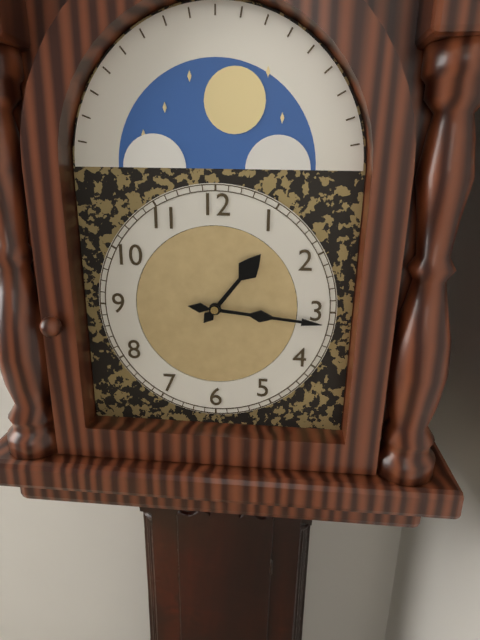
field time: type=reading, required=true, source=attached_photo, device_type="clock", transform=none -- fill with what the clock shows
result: 1:16
